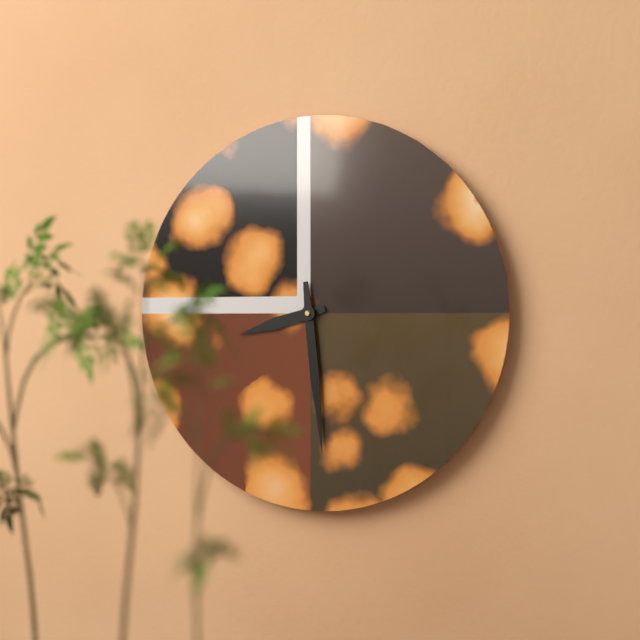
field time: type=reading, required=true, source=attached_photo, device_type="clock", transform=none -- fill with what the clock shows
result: 8:29
